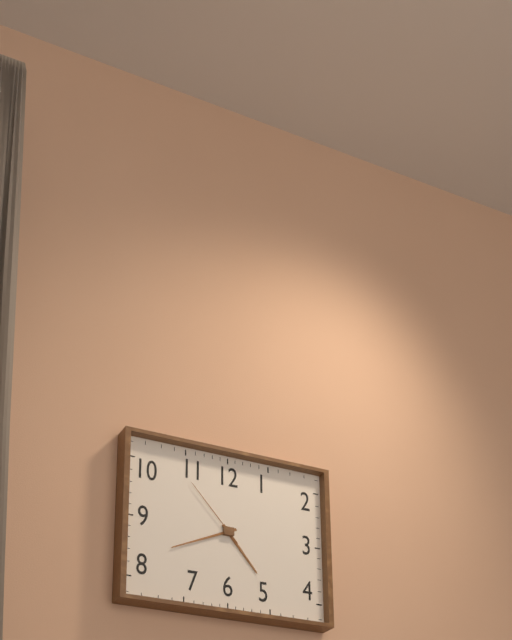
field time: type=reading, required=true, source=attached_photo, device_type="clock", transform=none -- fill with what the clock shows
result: 4:41:53
